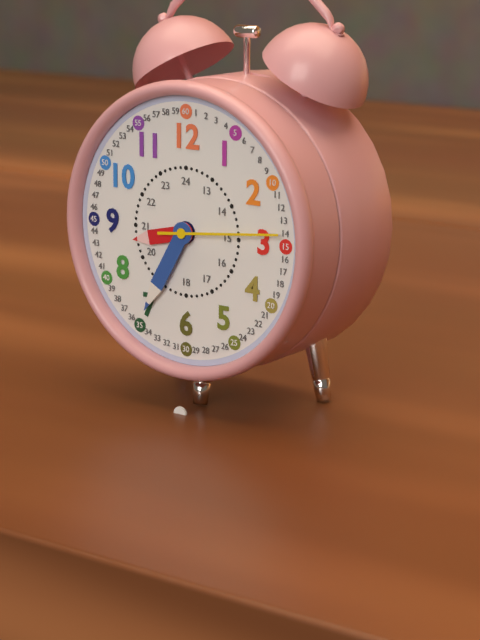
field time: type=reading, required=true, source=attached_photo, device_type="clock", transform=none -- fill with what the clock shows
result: 8:35:14
